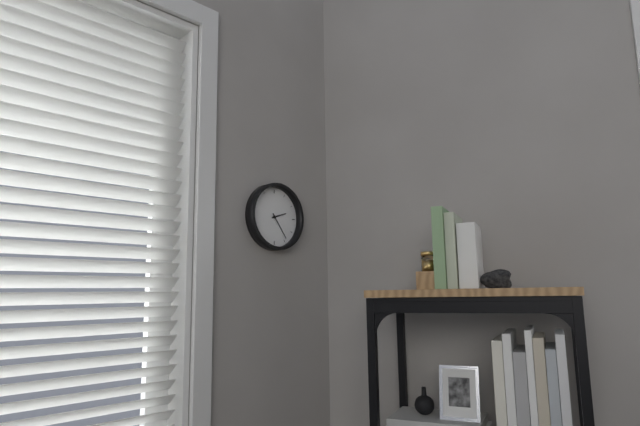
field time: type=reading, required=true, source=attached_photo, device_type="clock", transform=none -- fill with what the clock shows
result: 2:24
